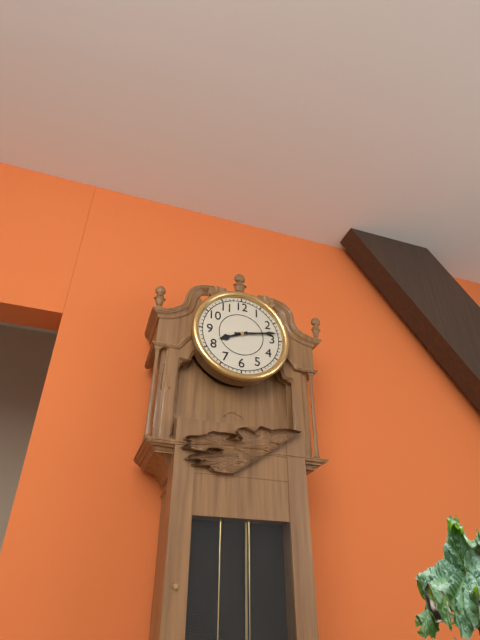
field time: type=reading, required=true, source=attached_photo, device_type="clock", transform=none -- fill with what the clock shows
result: 8:13
